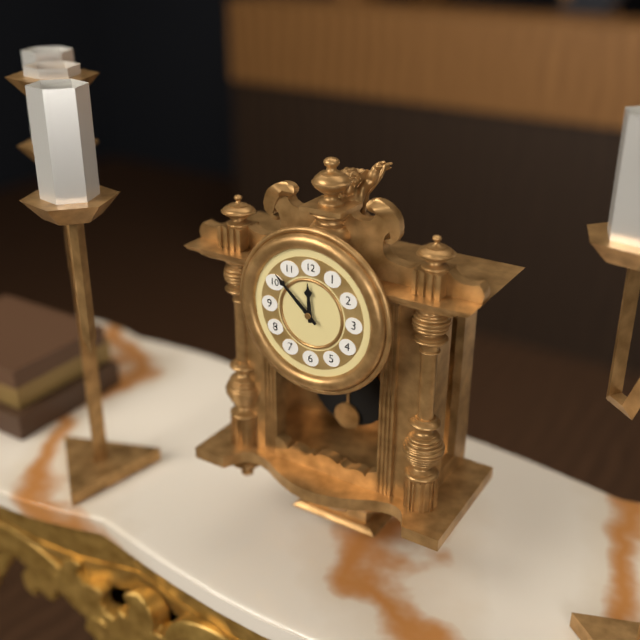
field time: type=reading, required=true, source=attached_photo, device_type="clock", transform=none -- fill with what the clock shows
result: 11:52
